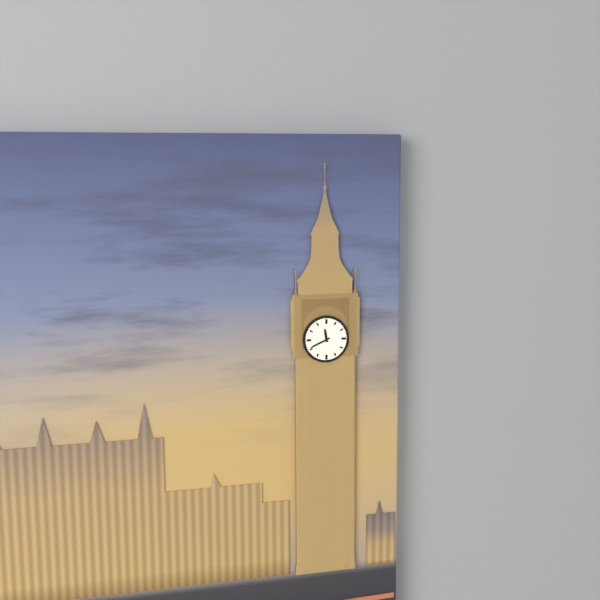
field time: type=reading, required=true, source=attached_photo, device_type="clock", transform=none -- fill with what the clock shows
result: 11:41
